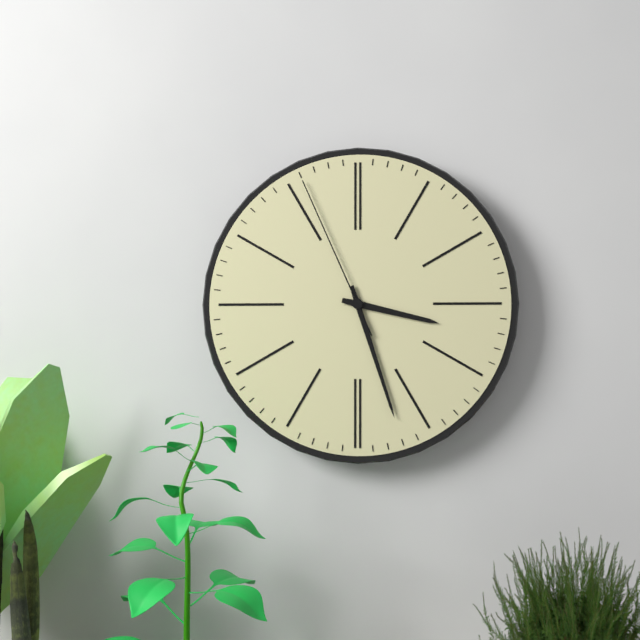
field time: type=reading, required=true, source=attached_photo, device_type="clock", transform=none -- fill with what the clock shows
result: 3:27:56
